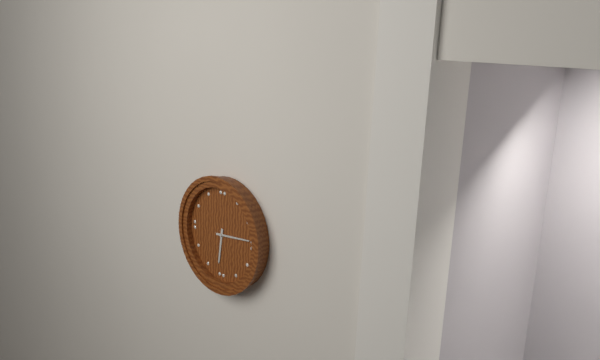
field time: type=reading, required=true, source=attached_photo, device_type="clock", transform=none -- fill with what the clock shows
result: 6:14
